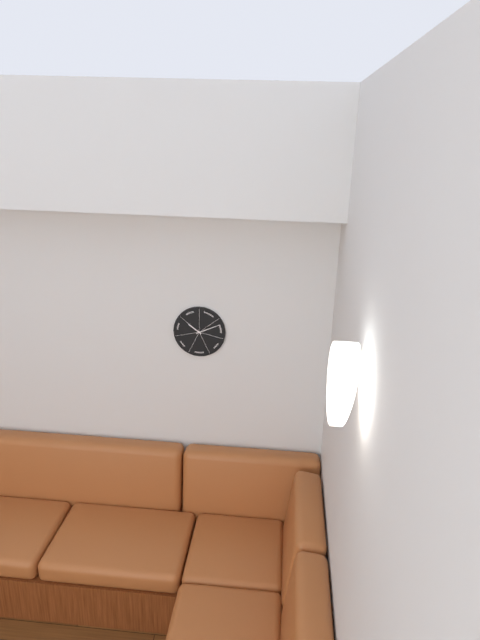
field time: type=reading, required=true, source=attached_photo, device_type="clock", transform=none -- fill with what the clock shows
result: 10:11
